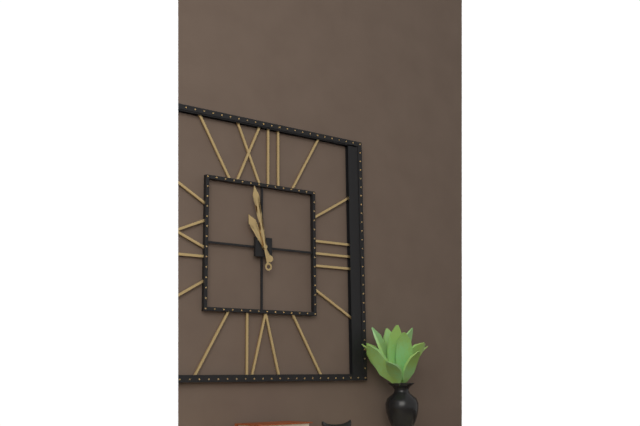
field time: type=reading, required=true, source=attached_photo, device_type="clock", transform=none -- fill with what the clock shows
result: 10:58
